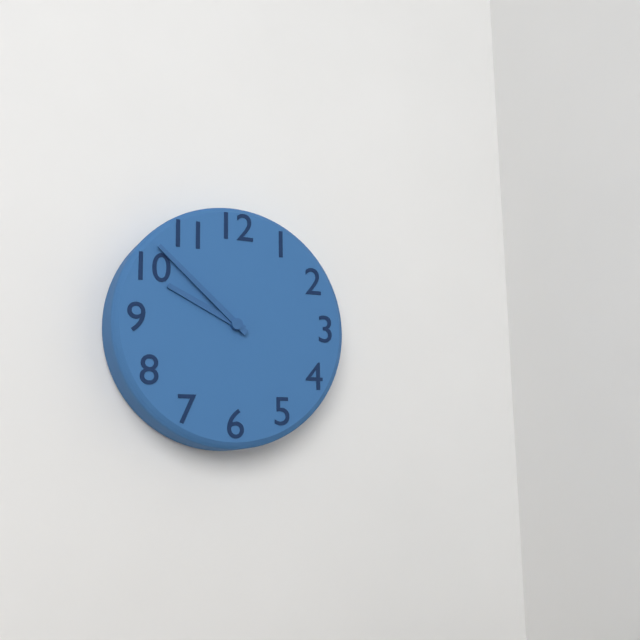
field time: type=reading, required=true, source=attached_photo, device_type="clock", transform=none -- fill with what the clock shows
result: 9:52
